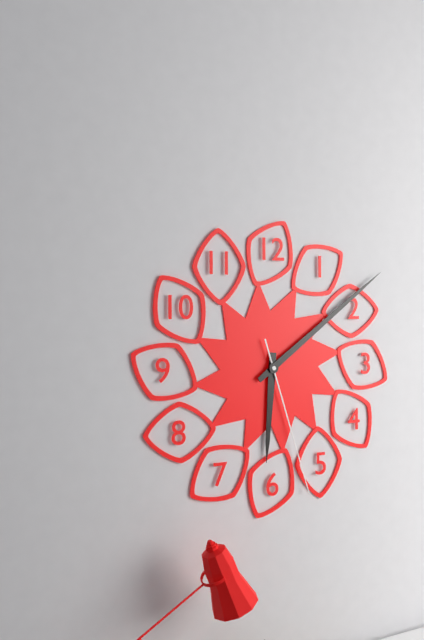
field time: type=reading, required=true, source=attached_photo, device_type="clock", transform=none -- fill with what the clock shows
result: 6:09:27
